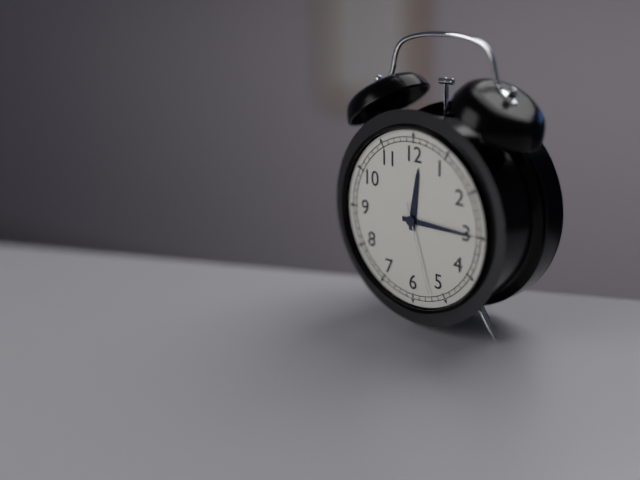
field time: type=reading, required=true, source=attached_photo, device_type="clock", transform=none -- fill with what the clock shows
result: 12:15:27
